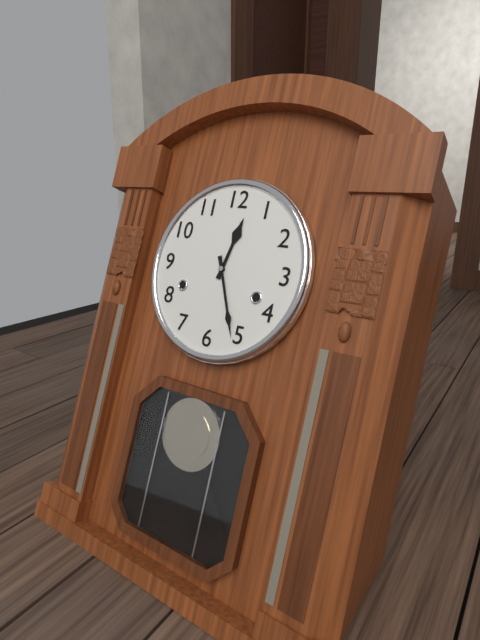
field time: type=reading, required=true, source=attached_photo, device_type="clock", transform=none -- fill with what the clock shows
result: 12:26
